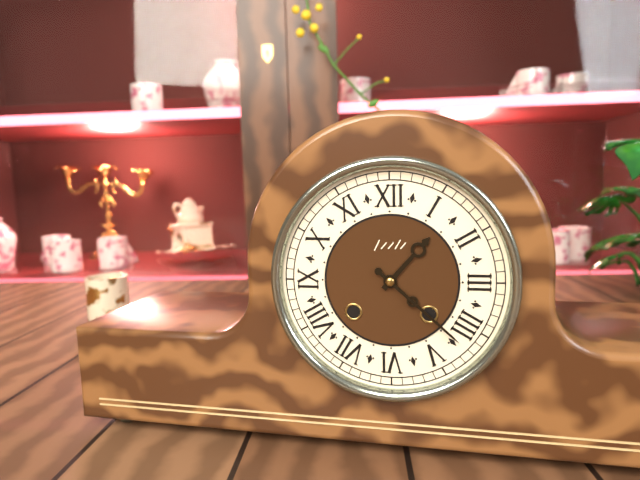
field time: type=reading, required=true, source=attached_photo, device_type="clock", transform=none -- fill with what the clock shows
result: 1:22
